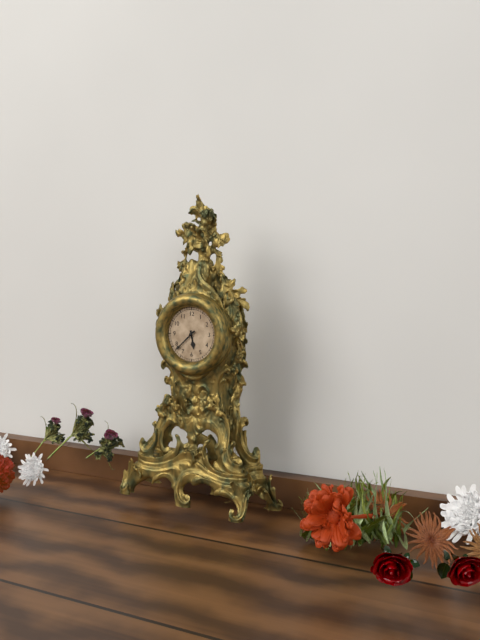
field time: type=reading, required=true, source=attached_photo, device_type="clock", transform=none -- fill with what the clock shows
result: 5:38
